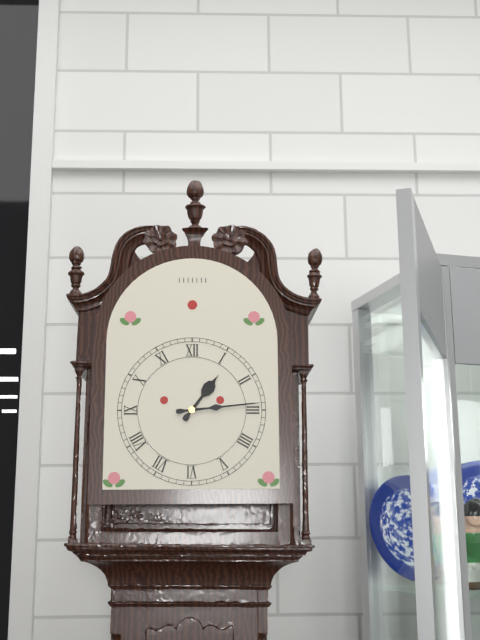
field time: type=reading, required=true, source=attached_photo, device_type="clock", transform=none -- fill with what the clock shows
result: 1:14
